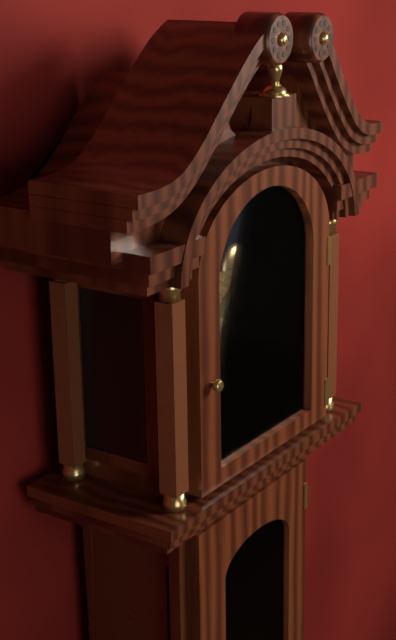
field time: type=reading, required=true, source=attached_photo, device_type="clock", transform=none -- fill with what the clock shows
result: 2:54
